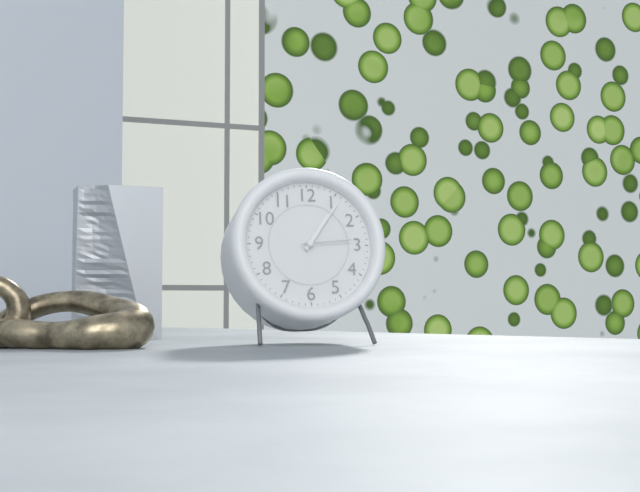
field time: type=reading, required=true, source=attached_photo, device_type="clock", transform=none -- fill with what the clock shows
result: 1:06:14
